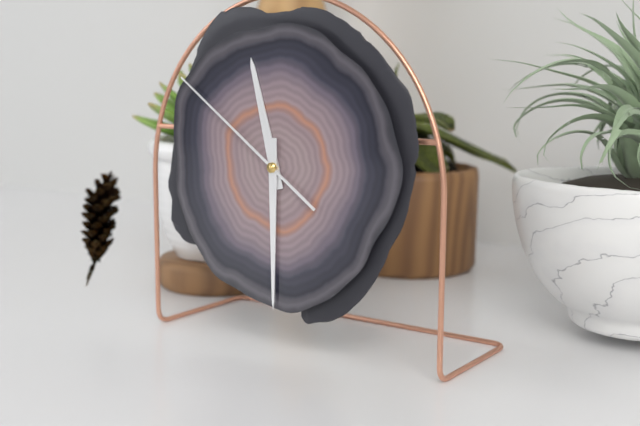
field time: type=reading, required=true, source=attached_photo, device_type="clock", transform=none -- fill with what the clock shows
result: 11:30:51
